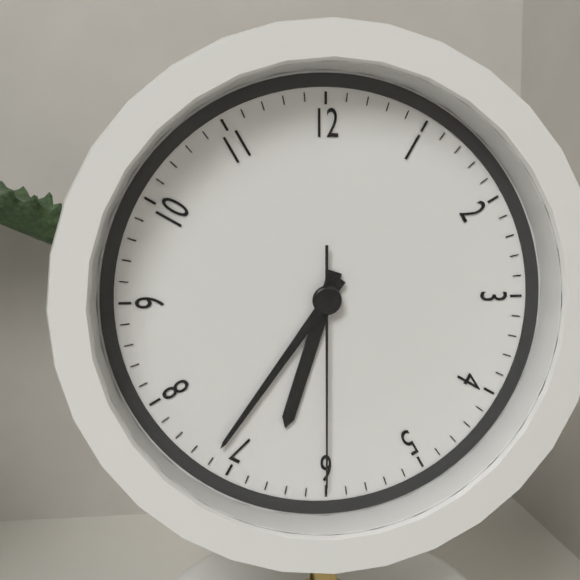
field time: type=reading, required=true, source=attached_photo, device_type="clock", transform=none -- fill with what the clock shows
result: 6:36:30
